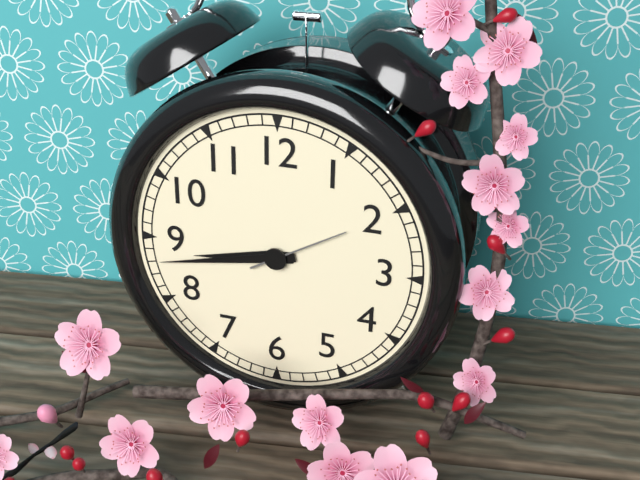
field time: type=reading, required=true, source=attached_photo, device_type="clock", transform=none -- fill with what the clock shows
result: 8:43:10
